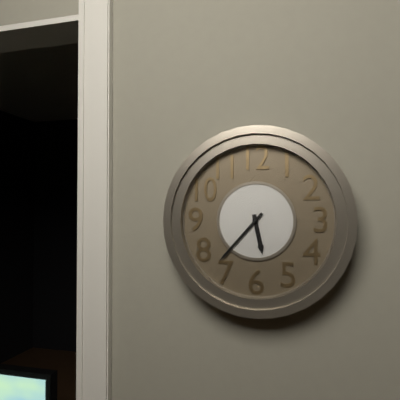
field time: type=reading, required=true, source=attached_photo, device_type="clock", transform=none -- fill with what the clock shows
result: 5:37
